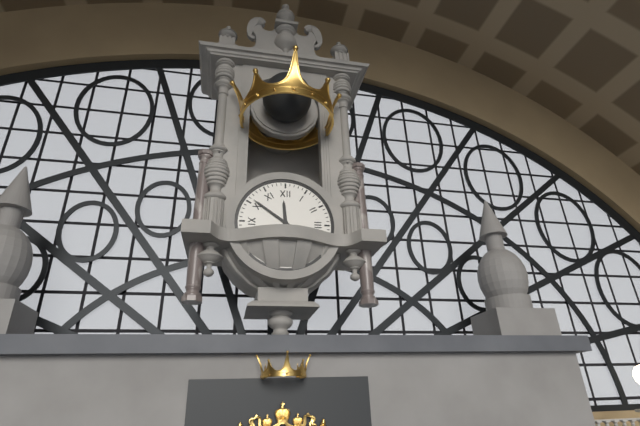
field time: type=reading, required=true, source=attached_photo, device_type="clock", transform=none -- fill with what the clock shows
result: 11:51
